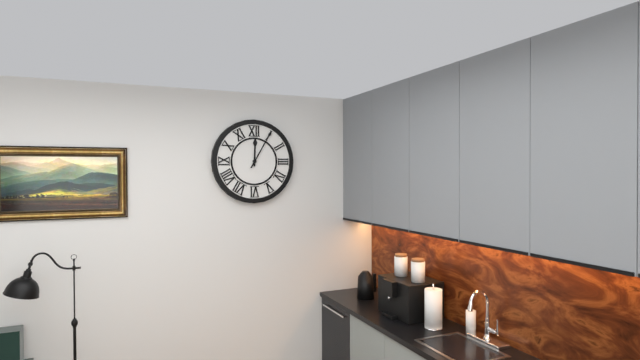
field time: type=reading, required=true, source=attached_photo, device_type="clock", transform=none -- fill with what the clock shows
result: 12:05
